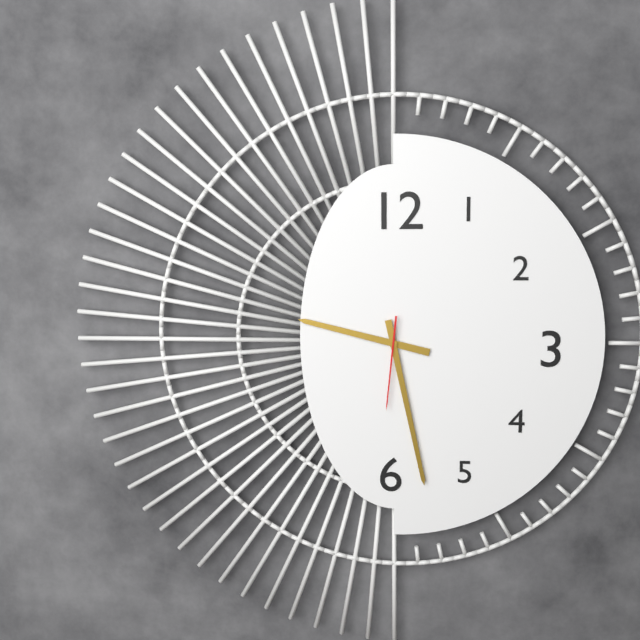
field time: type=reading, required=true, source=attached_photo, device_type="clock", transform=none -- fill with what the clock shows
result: 9:28:31
